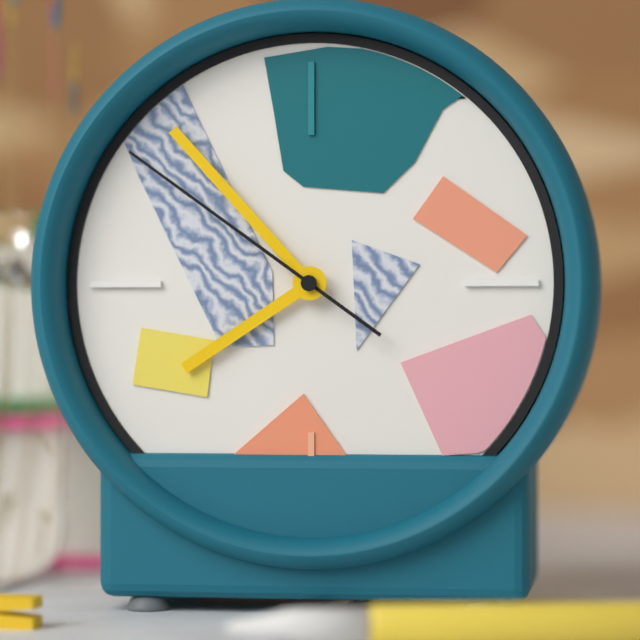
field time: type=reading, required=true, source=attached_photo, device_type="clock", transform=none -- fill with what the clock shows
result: 7:53:51
